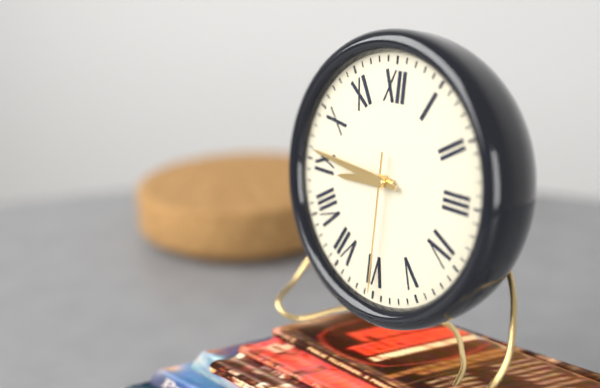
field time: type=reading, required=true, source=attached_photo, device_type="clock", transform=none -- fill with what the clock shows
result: 8:46:30
